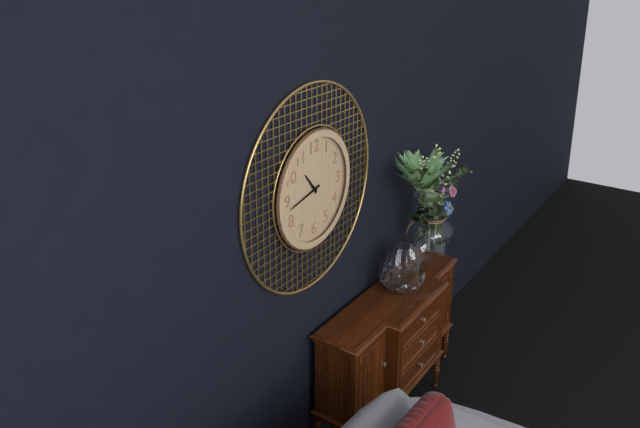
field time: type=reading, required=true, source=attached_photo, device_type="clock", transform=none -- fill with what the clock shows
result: 10:43
